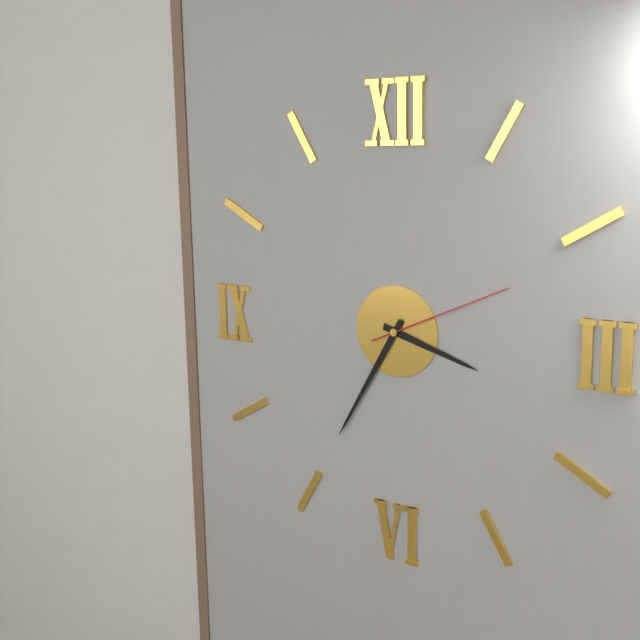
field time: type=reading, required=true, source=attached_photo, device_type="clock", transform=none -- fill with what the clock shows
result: 3:35:11
